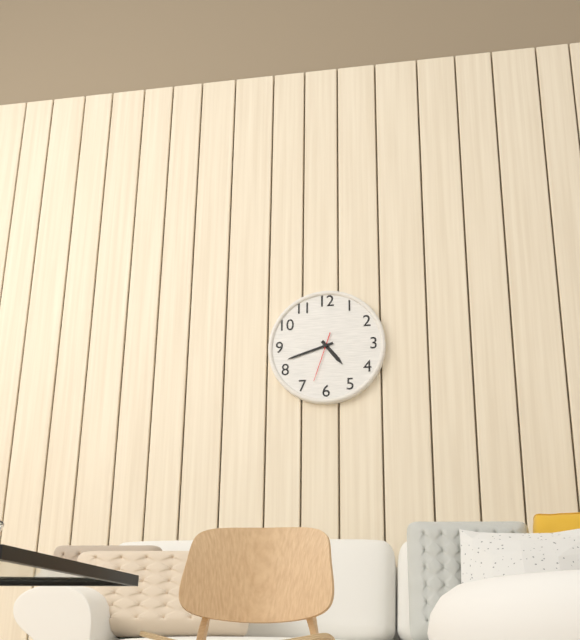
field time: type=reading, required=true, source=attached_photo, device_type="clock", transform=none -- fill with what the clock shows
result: 4:42
